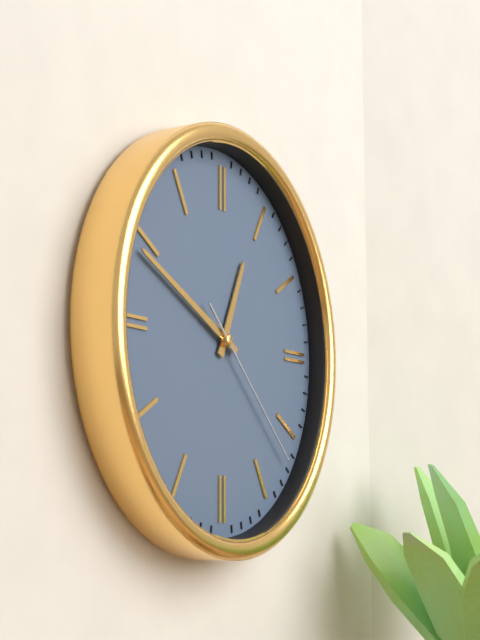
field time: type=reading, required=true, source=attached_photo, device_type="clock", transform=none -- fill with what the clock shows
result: 12:49:22
